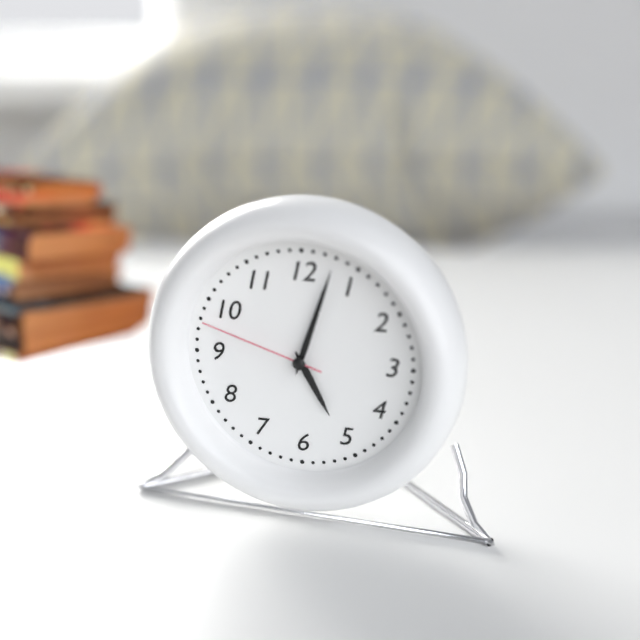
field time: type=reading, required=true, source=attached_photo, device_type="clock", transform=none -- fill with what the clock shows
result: 5:03:48
